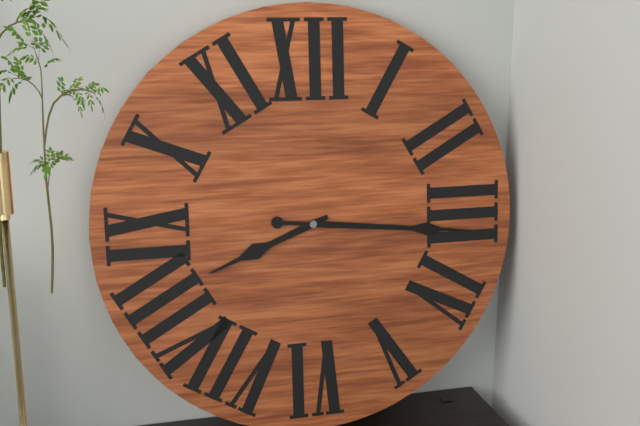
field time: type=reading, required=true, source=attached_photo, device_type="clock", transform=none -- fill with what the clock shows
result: 8:16
